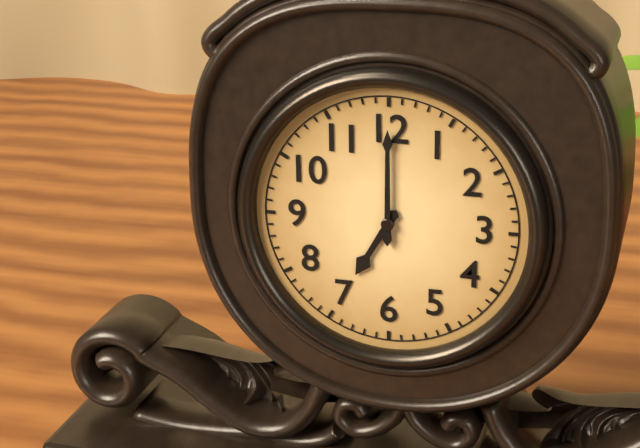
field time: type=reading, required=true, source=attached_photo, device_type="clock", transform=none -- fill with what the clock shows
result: 7:00
